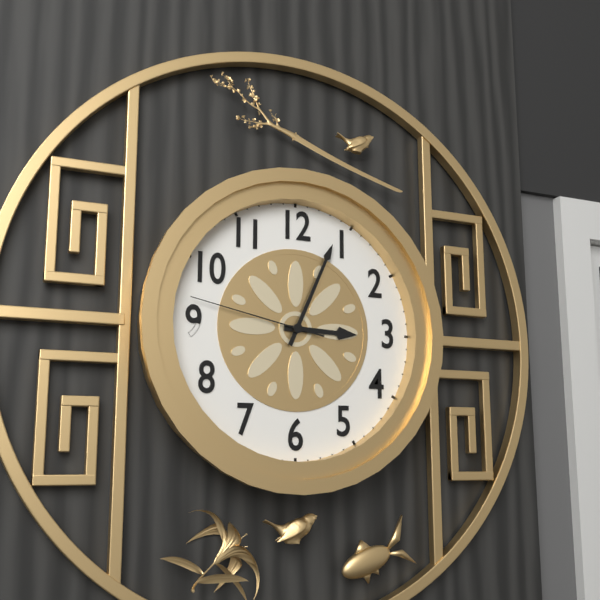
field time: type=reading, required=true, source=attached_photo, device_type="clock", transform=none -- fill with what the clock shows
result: 3:04:47
